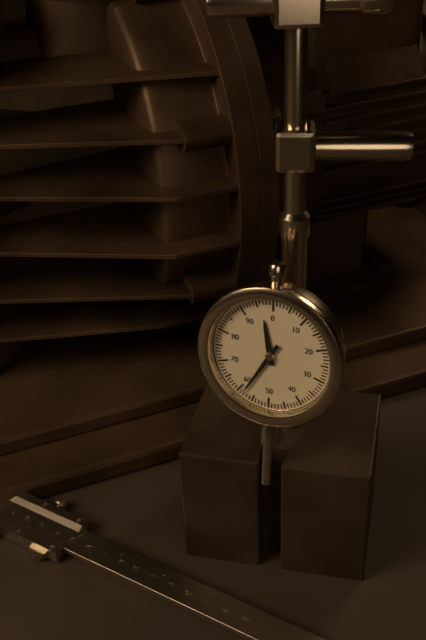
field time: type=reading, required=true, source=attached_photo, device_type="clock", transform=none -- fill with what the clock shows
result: 11:35
